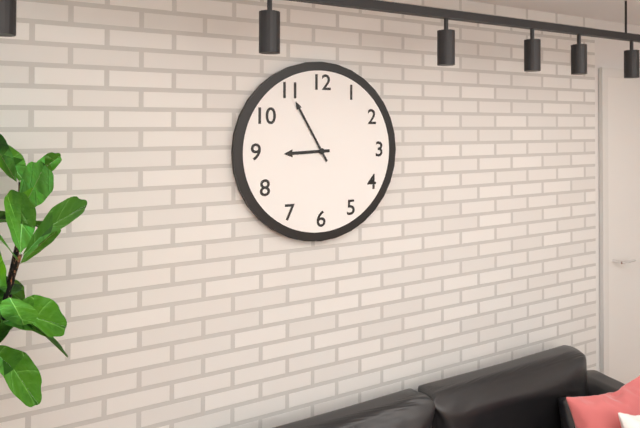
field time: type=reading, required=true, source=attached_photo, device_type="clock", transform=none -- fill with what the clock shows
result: 8:55
